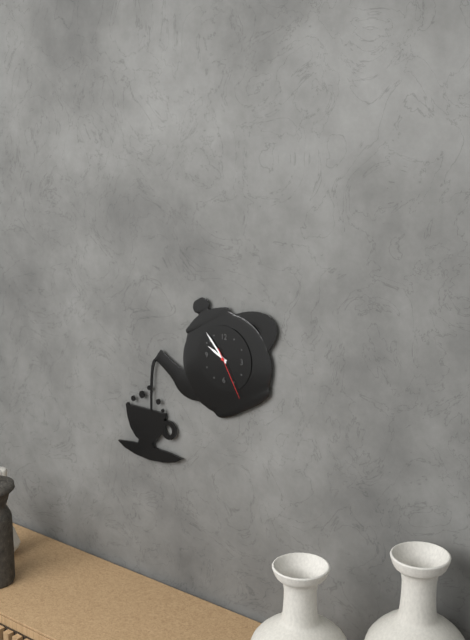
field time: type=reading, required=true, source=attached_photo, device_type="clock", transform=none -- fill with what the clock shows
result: 9:53:25
